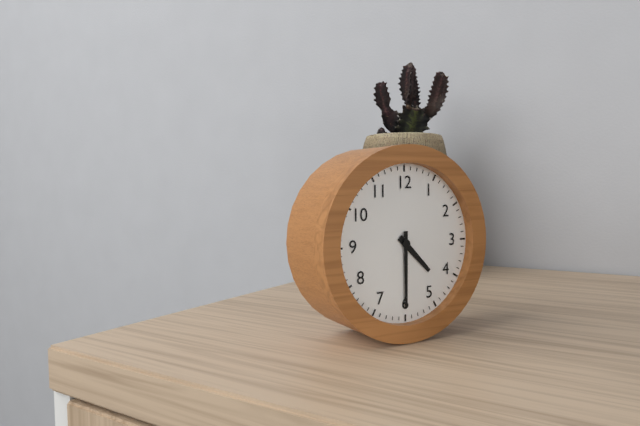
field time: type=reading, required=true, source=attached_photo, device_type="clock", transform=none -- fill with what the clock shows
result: 4:30
